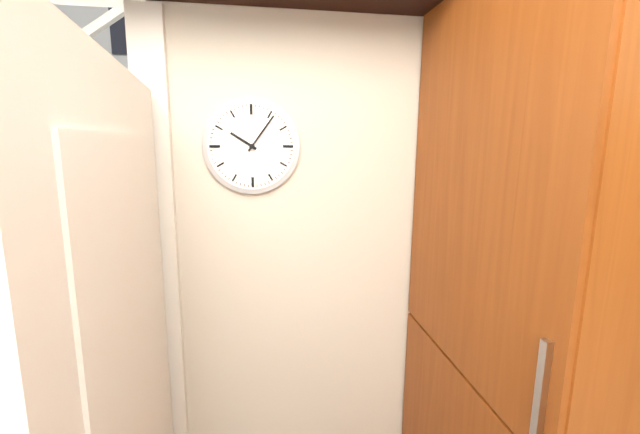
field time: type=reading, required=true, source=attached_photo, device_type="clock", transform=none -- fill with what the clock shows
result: 10:06
